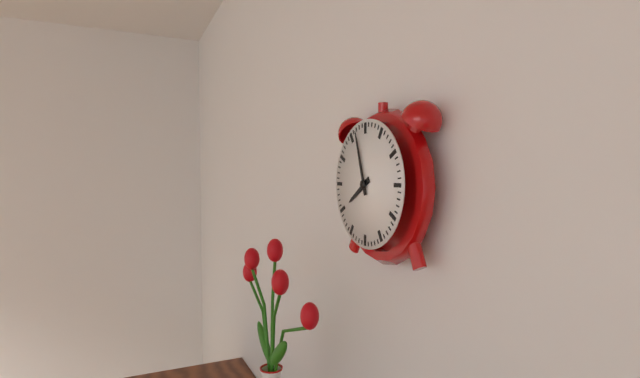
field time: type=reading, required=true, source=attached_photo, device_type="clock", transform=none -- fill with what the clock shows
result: 7:57
